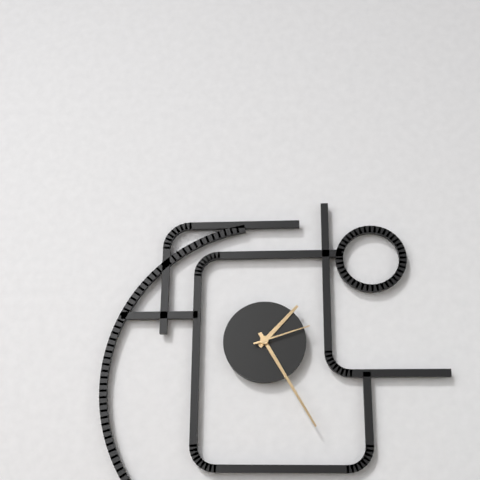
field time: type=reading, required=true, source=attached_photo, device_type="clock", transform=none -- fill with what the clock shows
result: 1:25:12
